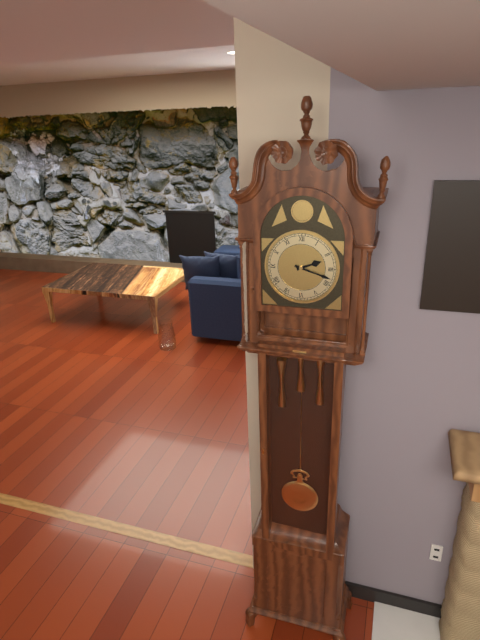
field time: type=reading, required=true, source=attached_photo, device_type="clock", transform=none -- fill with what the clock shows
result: 2:18
